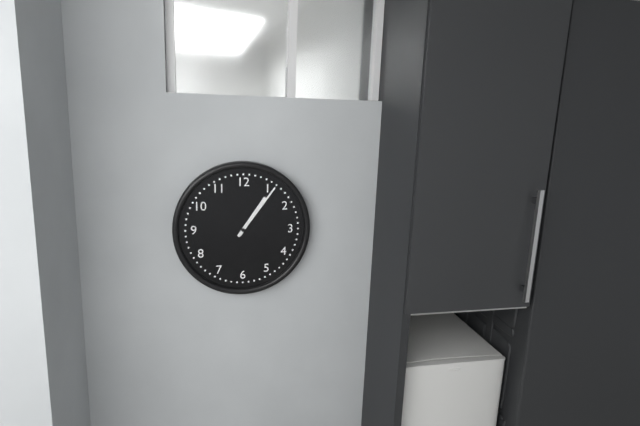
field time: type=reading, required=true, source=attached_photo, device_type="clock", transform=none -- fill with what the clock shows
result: 1:06
